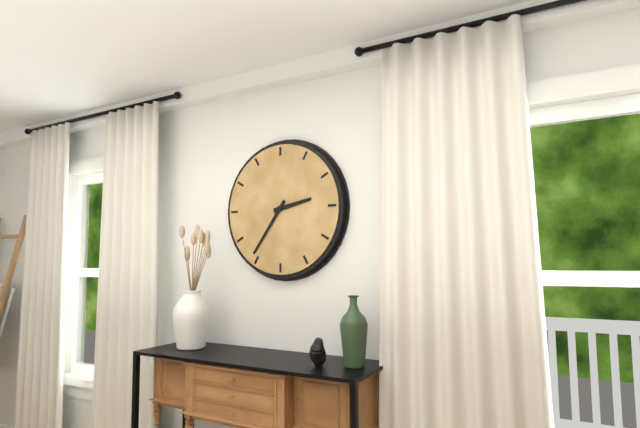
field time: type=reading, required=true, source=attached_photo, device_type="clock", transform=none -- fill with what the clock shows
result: 2:36
